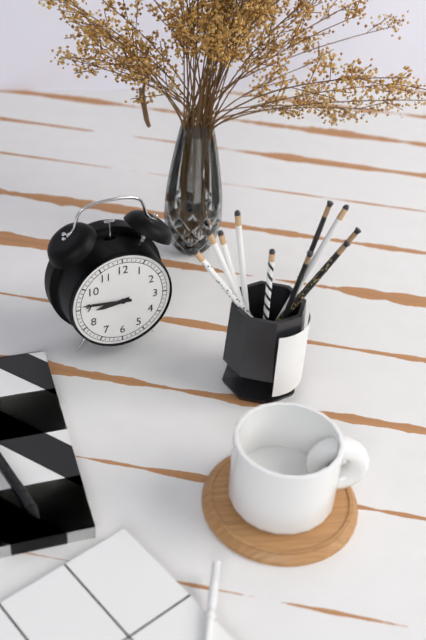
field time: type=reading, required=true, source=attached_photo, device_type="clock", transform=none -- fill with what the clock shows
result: 8:46
